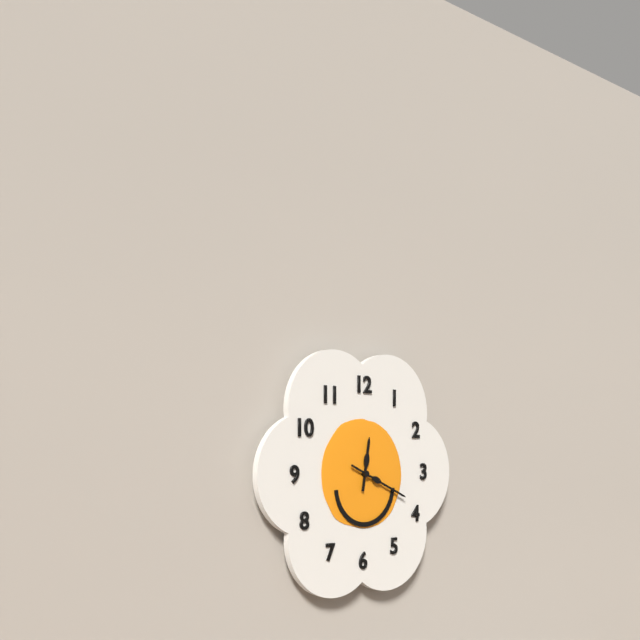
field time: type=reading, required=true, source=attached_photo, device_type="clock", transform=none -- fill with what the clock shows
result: 12:19
